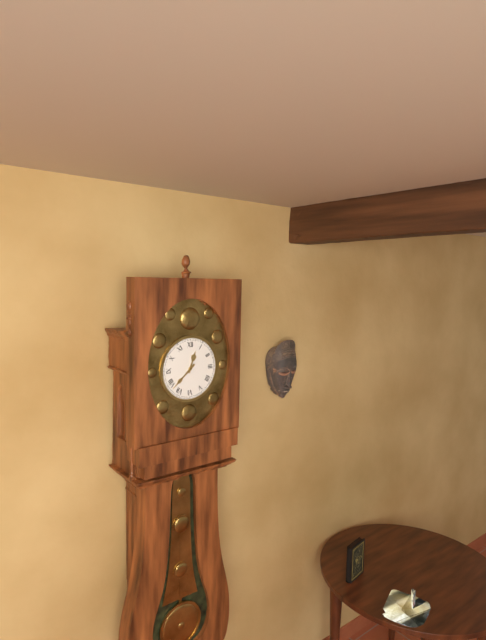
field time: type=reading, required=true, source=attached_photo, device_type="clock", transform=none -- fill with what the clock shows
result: 12:38
